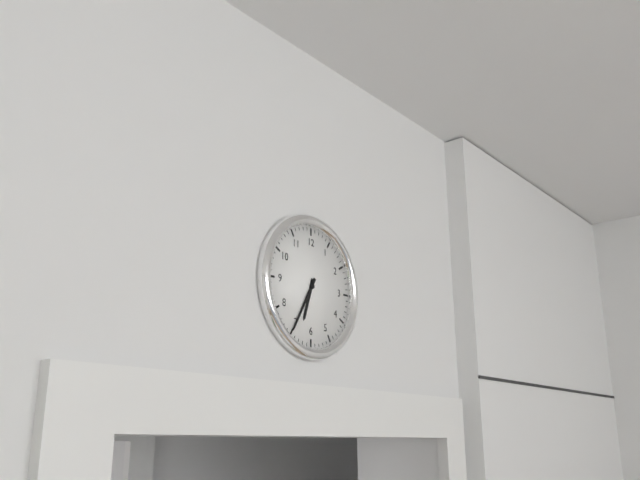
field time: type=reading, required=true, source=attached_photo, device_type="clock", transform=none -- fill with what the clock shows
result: 6:35
